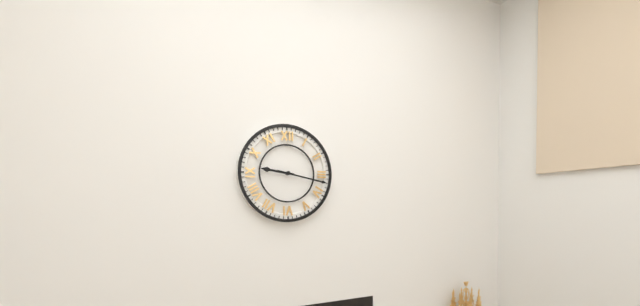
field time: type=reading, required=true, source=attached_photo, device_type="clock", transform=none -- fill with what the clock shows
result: 9:17
